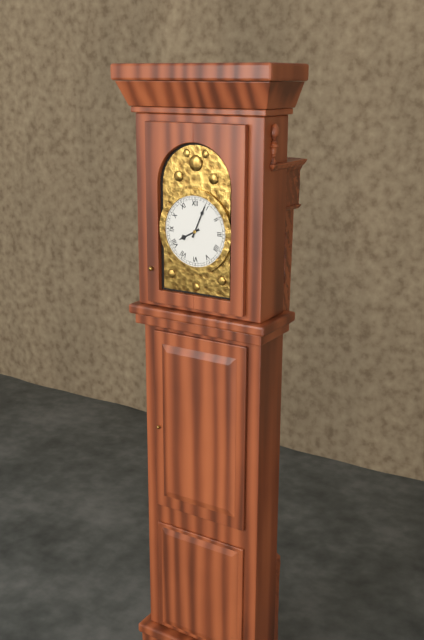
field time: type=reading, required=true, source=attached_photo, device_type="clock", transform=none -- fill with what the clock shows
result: 8:04
